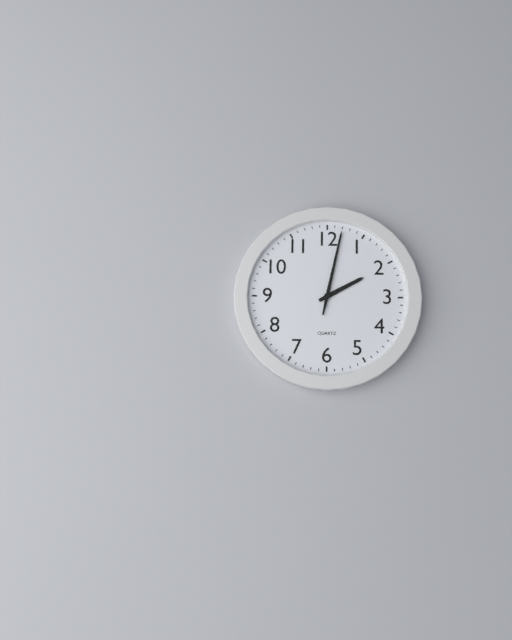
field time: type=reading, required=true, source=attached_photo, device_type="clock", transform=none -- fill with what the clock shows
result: 2:02
